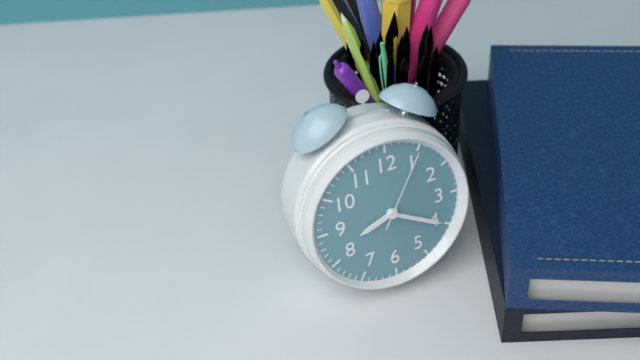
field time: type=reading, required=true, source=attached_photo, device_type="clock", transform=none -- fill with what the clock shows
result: 8:20:05
